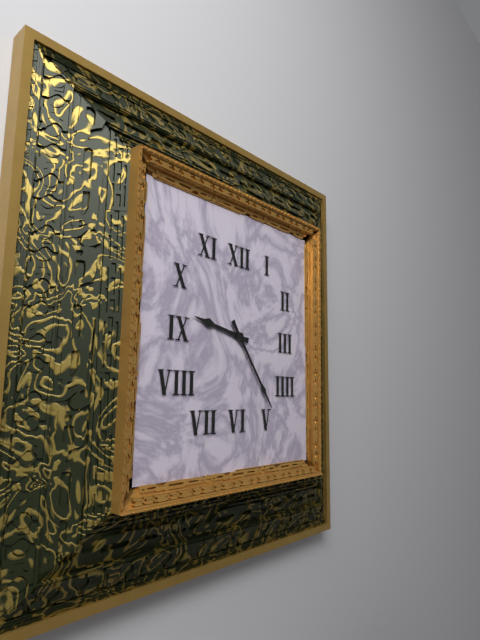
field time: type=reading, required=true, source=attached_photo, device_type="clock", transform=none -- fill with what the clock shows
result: 9:24
